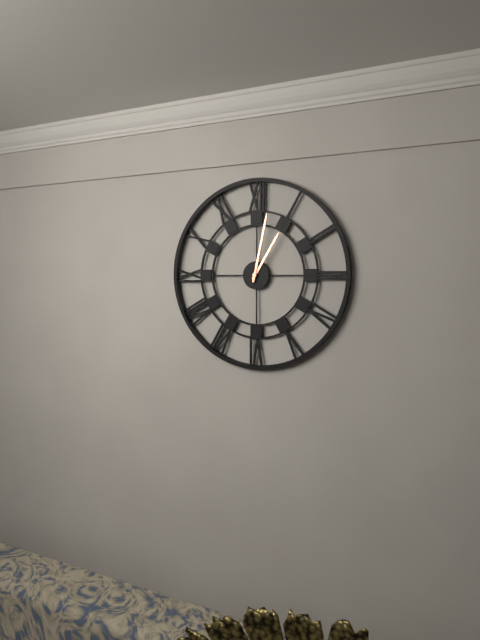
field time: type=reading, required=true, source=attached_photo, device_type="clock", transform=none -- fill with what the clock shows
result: 1:02
